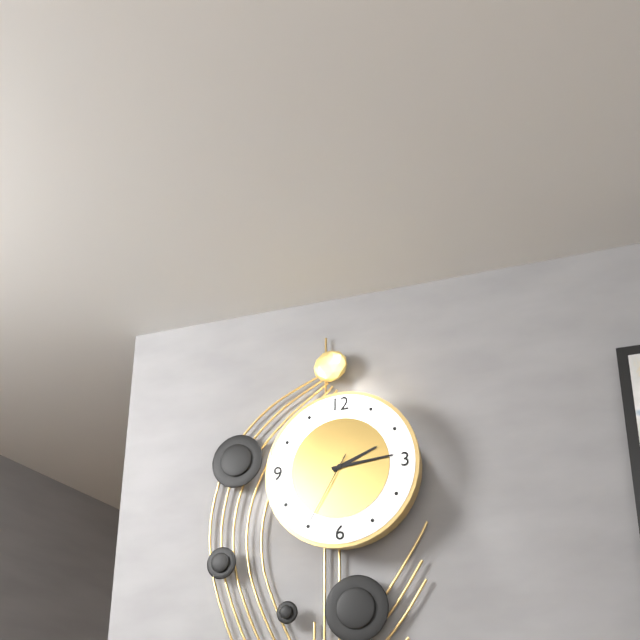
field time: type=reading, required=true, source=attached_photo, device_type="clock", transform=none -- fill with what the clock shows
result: 2:14:35
